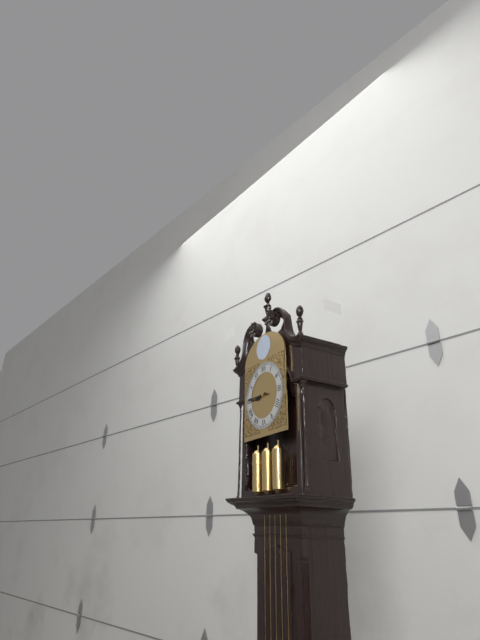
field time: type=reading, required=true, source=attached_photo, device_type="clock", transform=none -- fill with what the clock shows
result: 8:45
